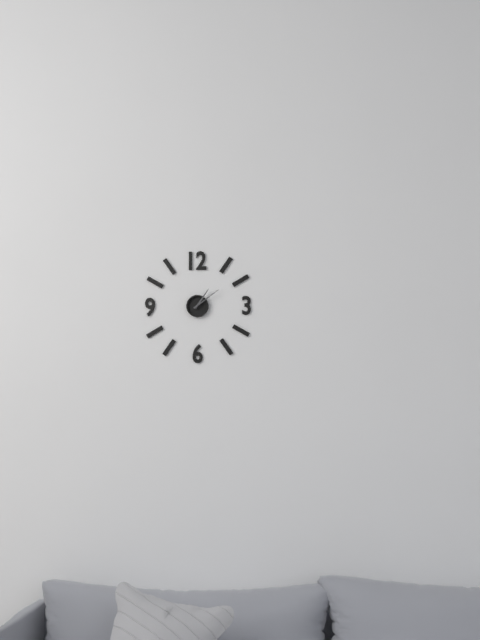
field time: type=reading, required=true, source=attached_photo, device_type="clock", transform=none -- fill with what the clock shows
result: 1:09
